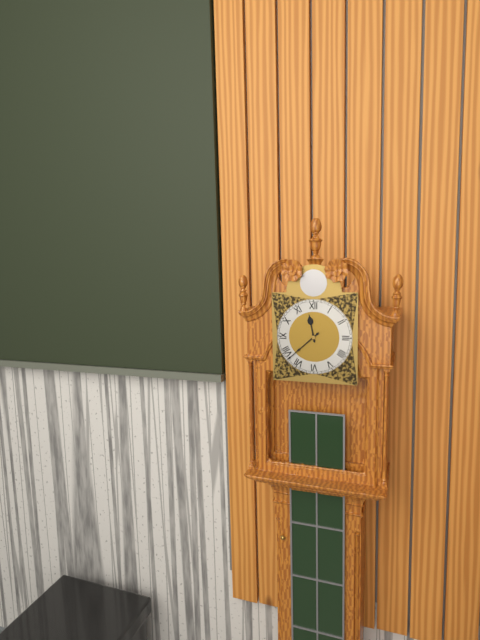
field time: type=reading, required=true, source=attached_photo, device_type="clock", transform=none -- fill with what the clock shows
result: 11:38
